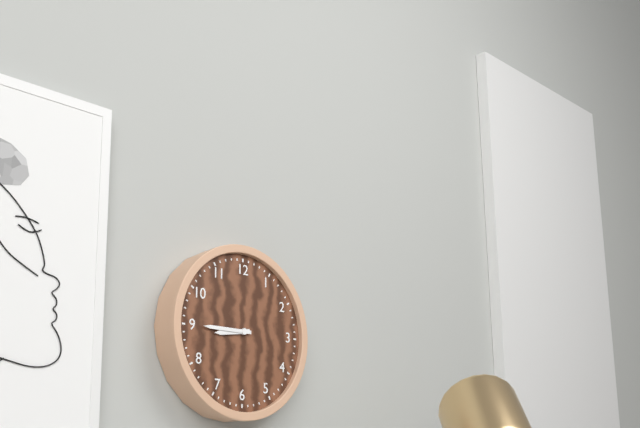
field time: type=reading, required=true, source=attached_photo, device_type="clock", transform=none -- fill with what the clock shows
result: 8:45
